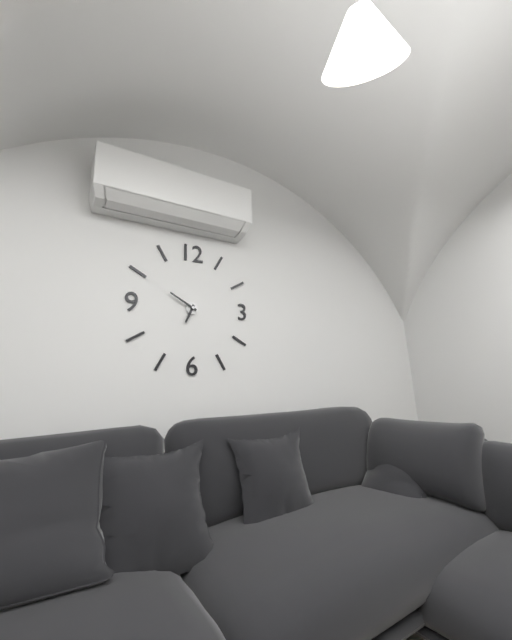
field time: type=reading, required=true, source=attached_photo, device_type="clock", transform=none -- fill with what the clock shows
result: 6:50
